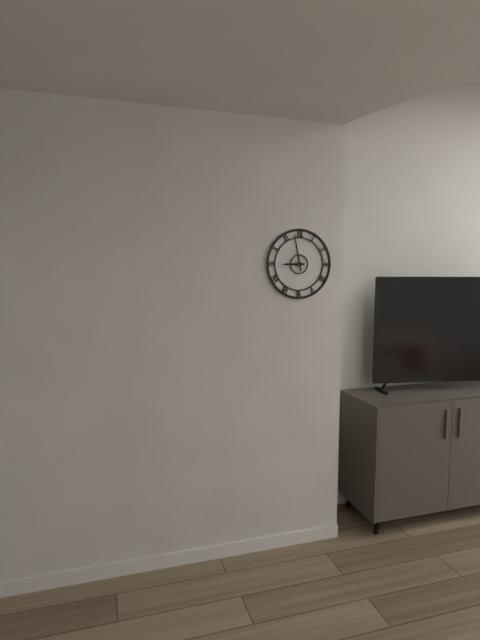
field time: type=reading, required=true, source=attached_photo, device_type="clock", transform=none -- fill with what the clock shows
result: 8:58
